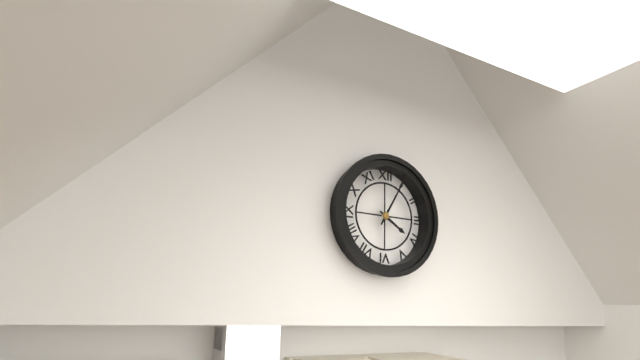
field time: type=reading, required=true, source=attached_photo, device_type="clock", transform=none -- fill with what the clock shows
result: 4:05
